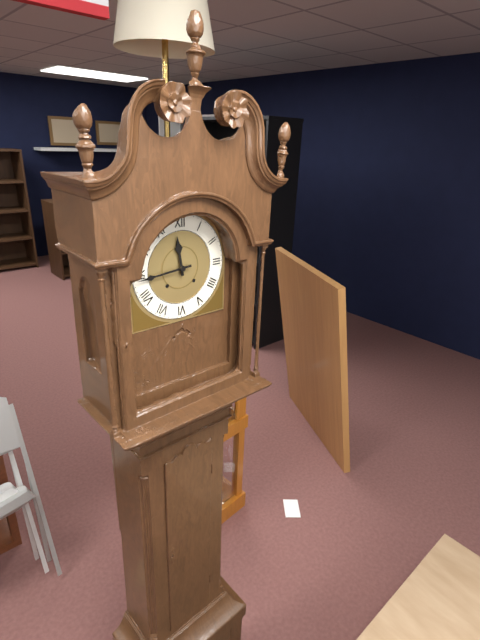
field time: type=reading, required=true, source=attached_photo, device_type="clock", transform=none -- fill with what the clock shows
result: 11:44
